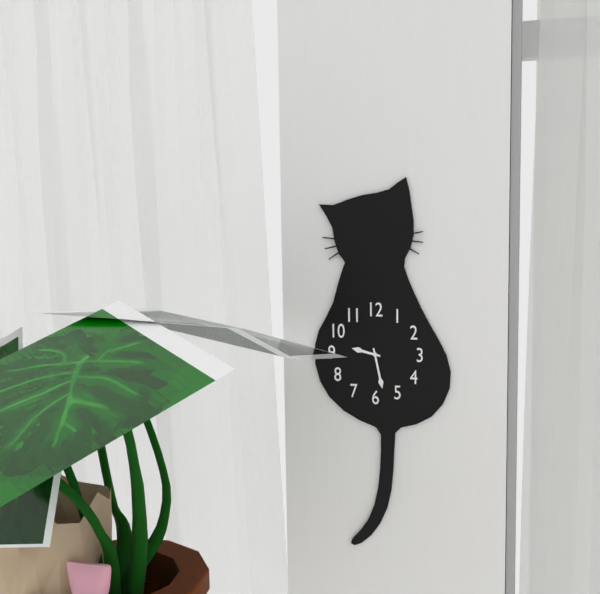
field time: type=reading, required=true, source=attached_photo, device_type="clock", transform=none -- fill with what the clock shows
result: 9:28
